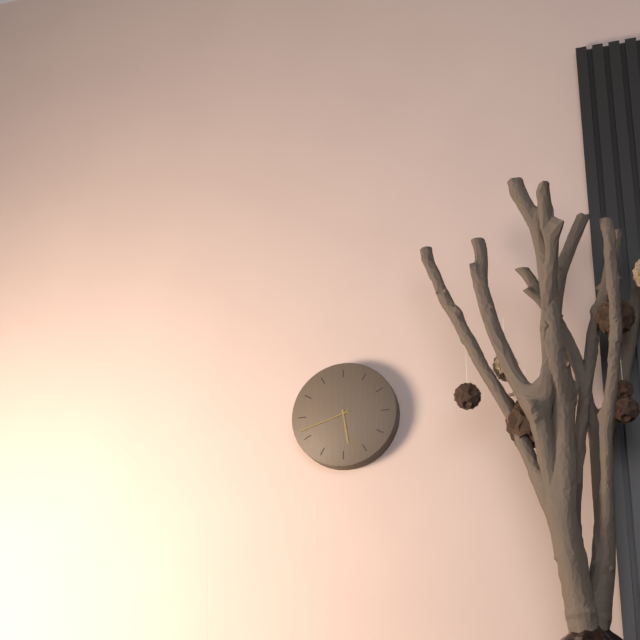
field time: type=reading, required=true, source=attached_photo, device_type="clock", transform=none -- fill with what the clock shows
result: 5:42
